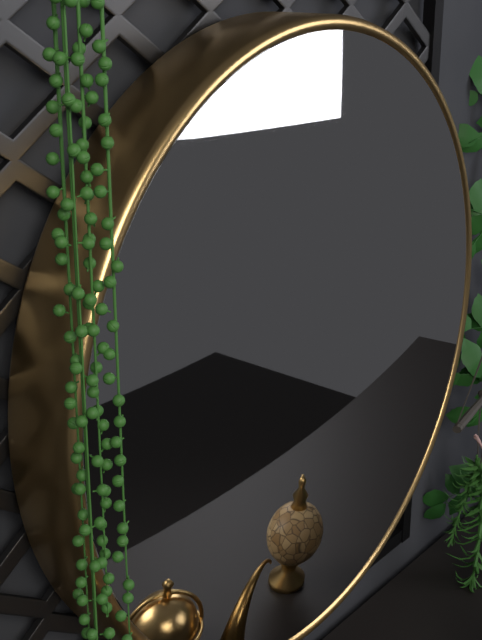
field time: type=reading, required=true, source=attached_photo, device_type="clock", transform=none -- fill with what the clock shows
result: 10:16
